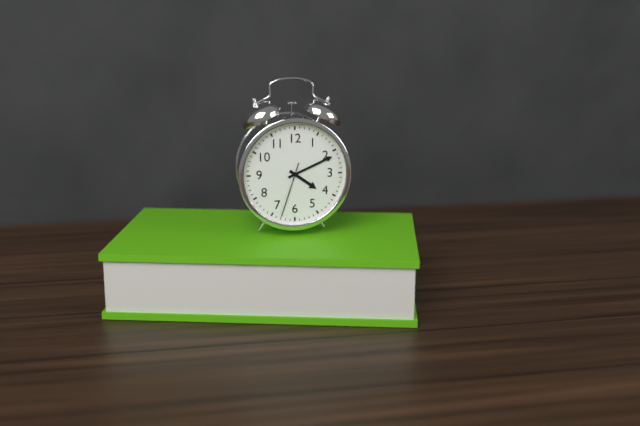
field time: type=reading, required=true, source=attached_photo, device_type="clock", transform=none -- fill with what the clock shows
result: 4:11:33
